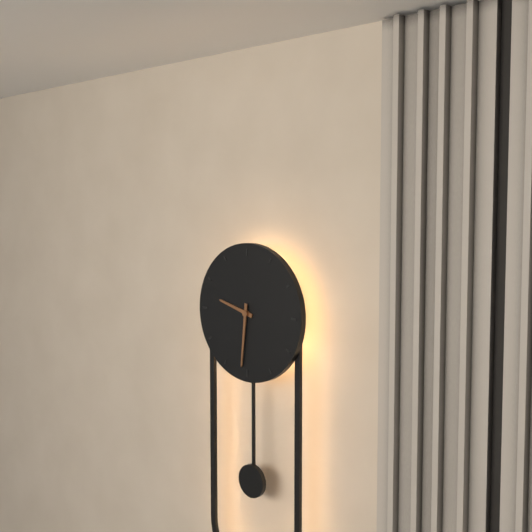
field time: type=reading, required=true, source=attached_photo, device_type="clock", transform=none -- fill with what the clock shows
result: 9:31
